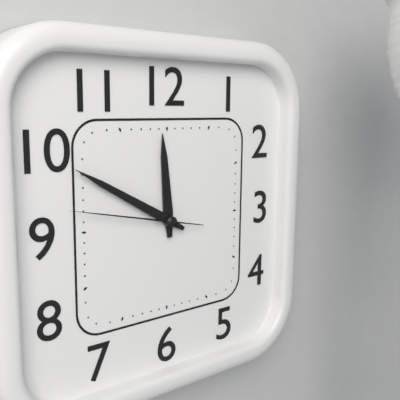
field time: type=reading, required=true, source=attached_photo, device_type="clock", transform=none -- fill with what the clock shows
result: 11:50:47
